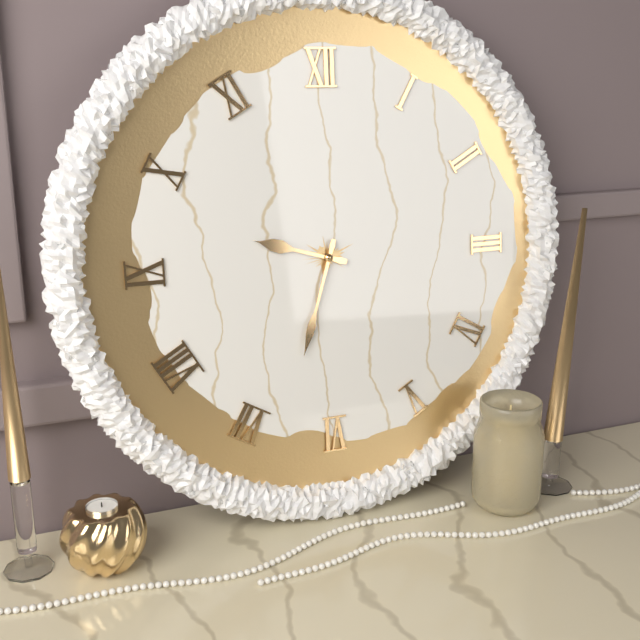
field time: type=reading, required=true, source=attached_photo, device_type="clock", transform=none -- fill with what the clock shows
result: 9:33
